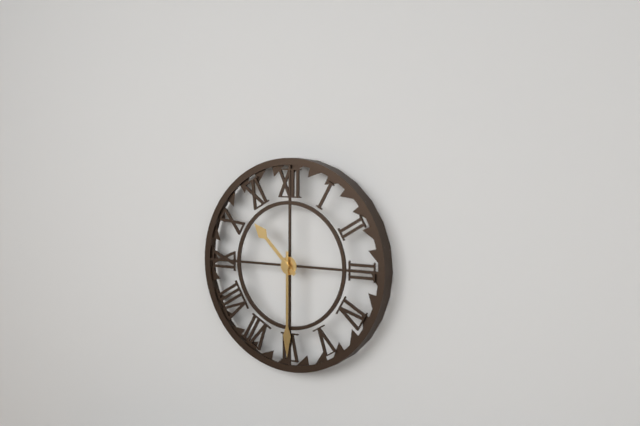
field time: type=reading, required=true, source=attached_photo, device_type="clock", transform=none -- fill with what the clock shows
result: 10:30
